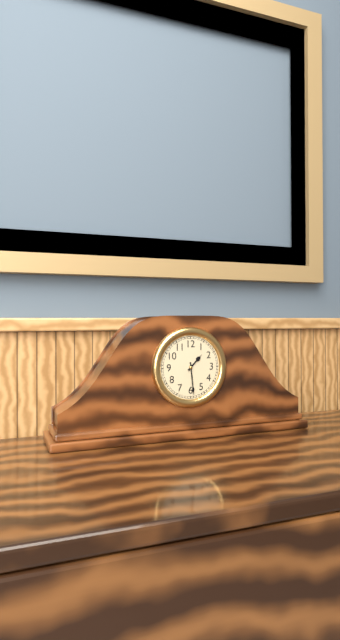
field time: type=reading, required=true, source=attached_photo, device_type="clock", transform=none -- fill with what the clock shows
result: 1:29
